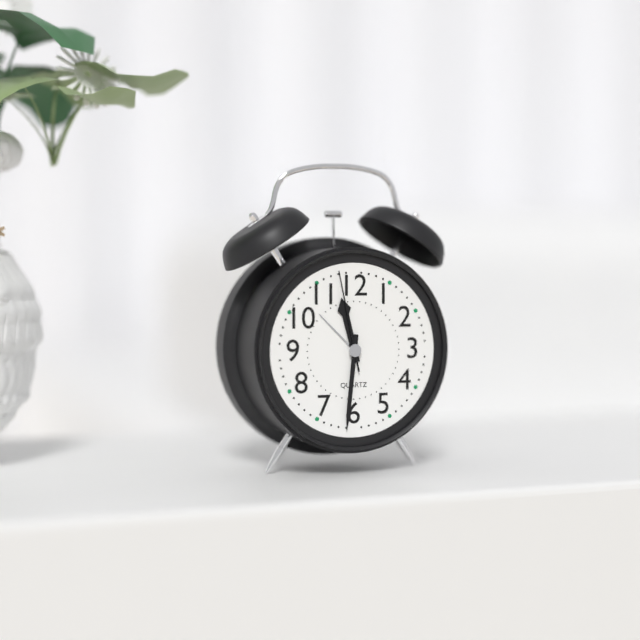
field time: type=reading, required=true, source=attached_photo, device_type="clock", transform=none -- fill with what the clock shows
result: 11:31:58
